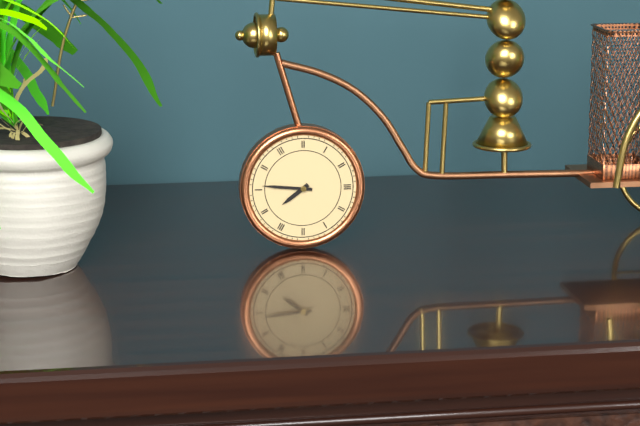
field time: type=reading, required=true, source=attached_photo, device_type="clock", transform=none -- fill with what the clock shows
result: 7:46
